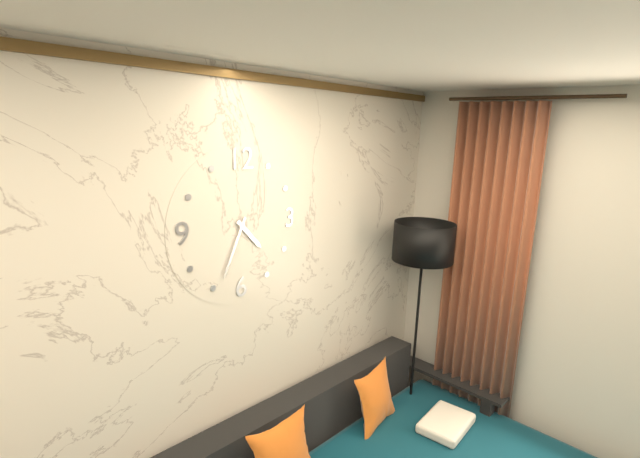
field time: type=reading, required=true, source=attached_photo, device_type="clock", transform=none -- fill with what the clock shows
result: 4:34
